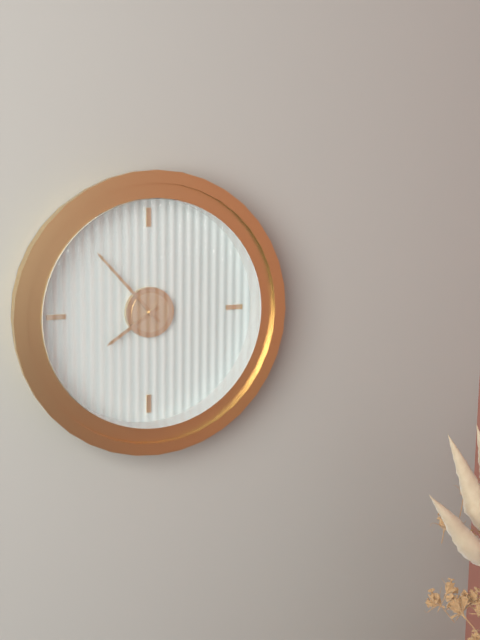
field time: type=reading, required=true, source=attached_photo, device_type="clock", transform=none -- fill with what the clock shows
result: 7:53
